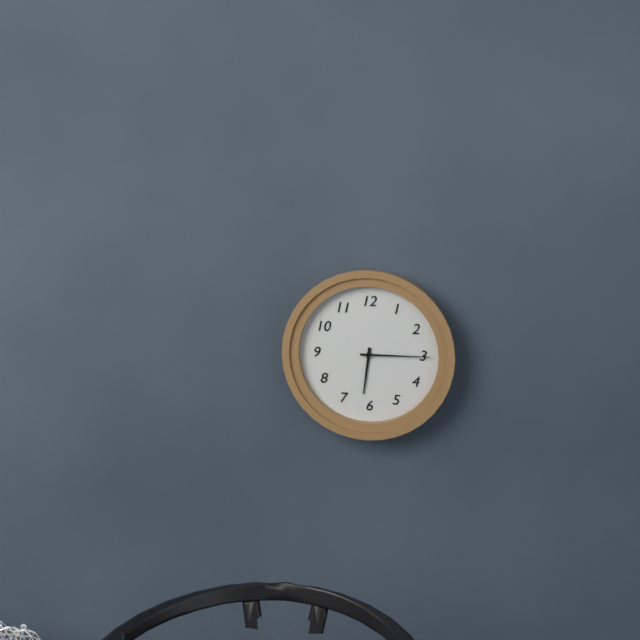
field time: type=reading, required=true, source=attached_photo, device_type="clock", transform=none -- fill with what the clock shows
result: 6:15
